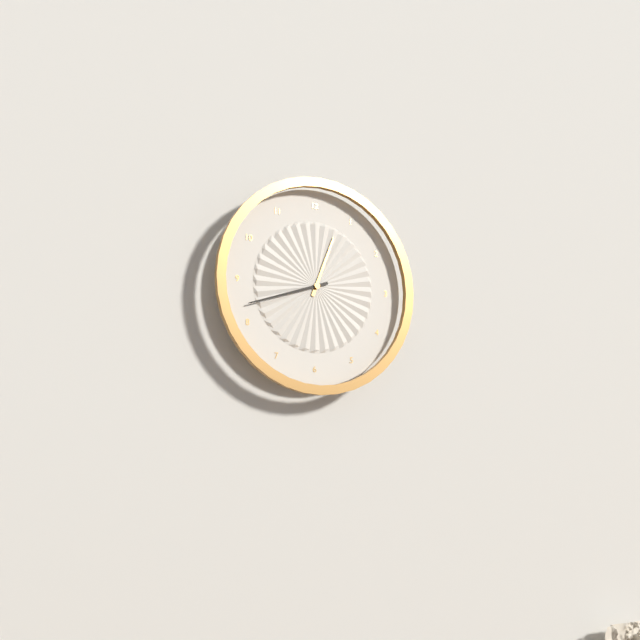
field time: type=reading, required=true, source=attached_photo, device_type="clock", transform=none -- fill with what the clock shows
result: 12:42
